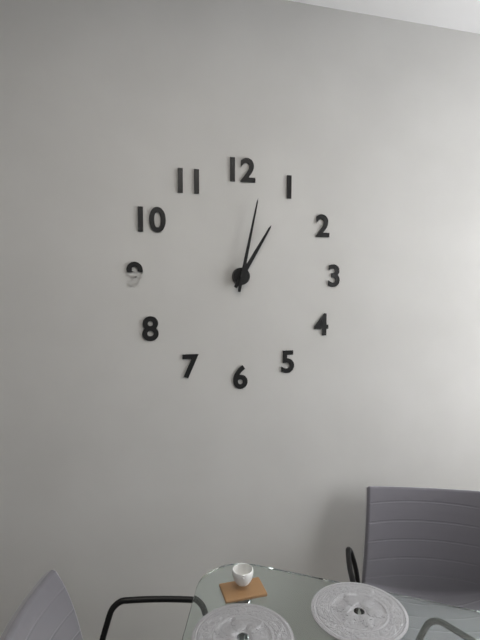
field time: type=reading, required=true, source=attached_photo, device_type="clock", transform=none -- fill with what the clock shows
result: 1:02
